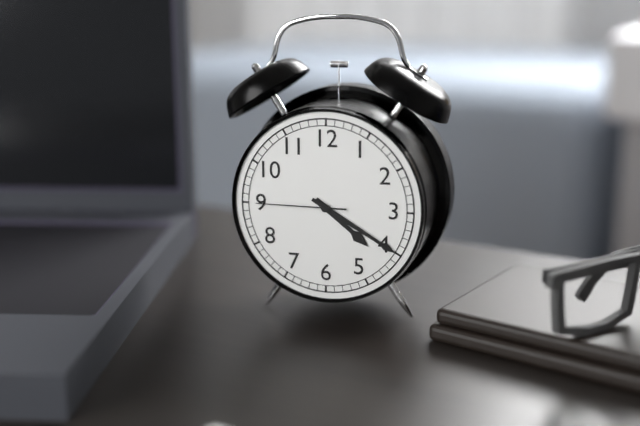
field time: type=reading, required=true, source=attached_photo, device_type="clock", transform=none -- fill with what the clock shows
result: 4:20:45
